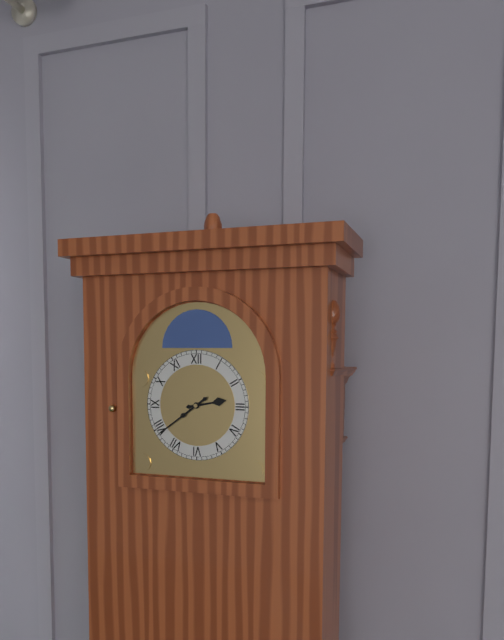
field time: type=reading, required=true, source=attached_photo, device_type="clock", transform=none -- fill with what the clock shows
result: 2:39
